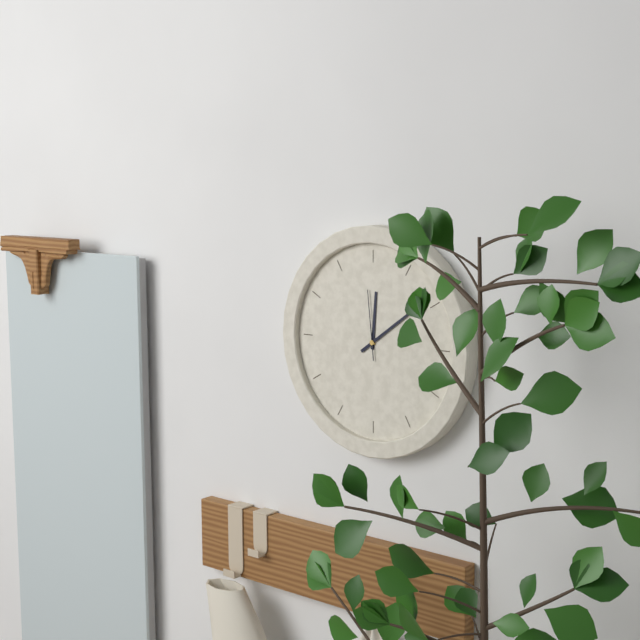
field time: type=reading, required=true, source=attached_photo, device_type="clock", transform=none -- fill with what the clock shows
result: 12:09:59
